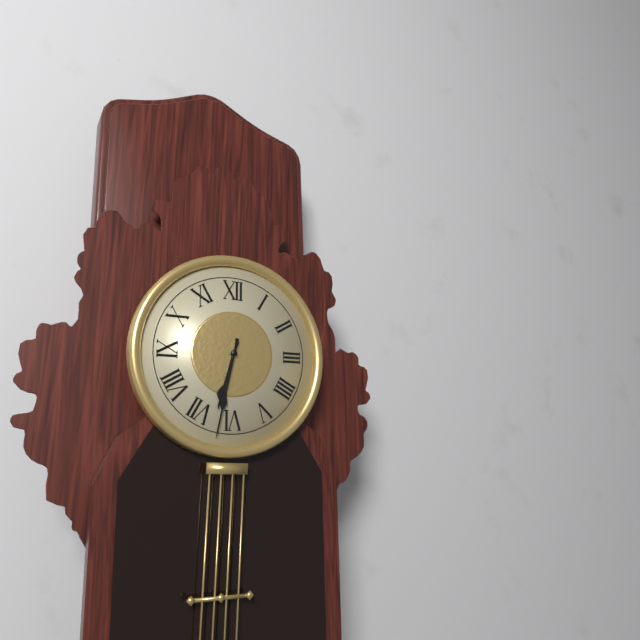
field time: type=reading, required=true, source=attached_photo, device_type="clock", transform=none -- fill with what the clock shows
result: 6:32
